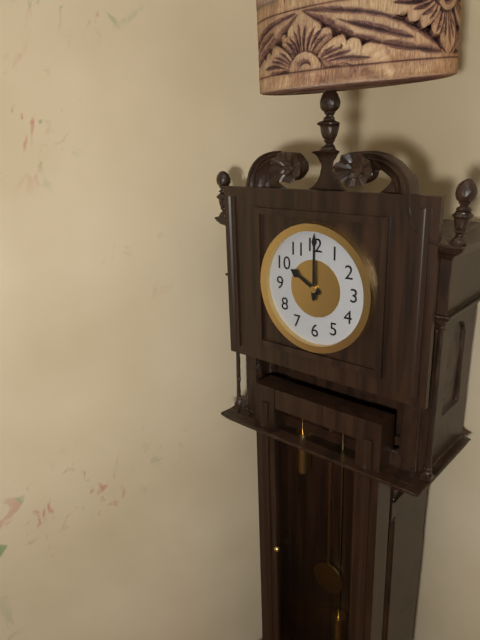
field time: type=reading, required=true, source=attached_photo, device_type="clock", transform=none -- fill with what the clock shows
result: 10:00
